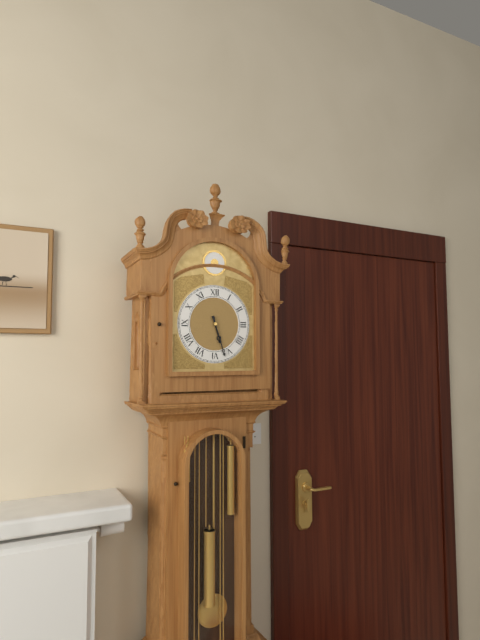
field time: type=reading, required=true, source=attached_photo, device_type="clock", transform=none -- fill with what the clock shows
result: 5:27
